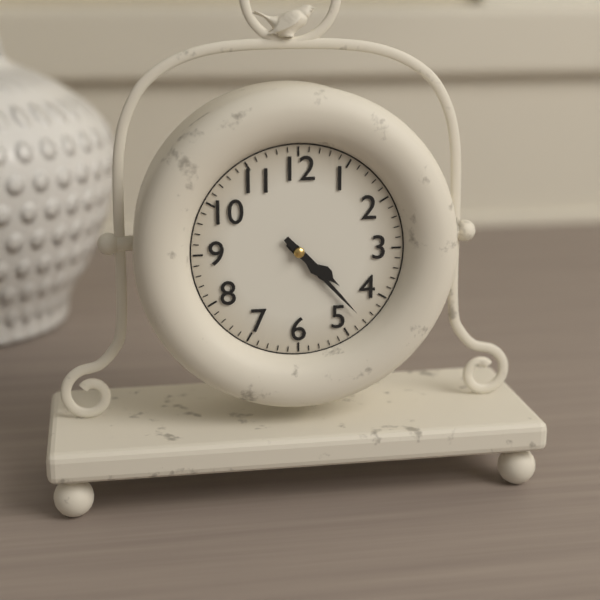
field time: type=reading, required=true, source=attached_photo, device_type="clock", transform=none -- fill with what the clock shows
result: 4:23
